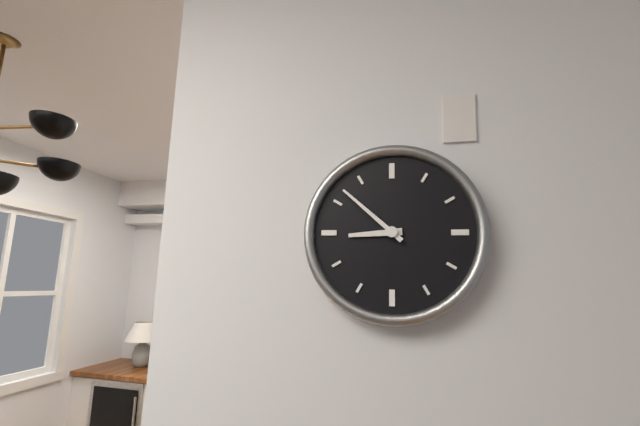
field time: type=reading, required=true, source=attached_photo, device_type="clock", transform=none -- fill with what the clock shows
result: 8:52
